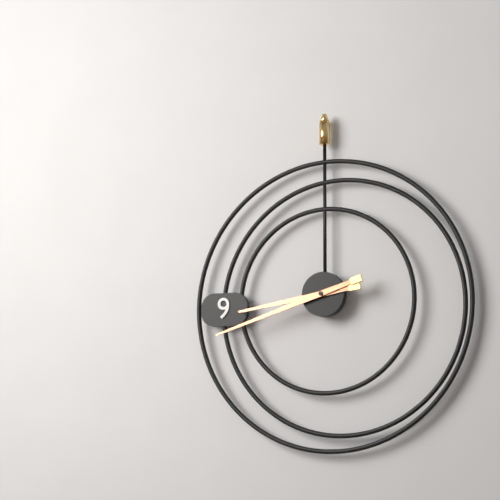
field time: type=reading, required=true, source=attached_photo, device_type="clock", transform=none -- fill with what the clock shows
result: 8:42
